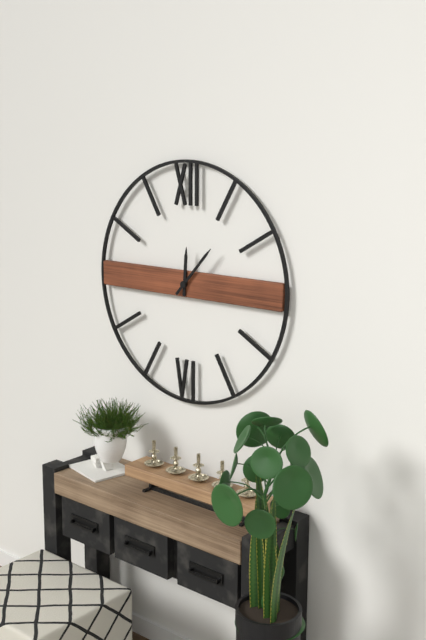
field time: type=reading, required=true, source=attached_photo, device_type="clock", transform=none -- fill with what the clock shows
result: 12:07
